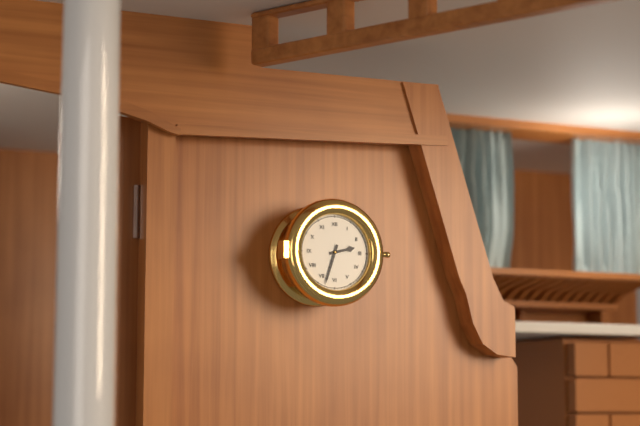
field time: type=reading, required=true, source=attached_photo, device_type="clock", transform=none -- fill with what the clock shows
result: 2:33
